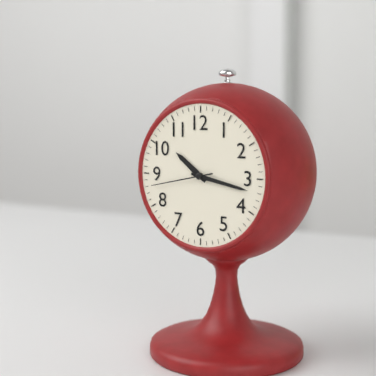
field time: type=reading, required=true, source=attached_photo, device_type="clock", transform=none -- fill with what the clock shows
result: 10:17:43
